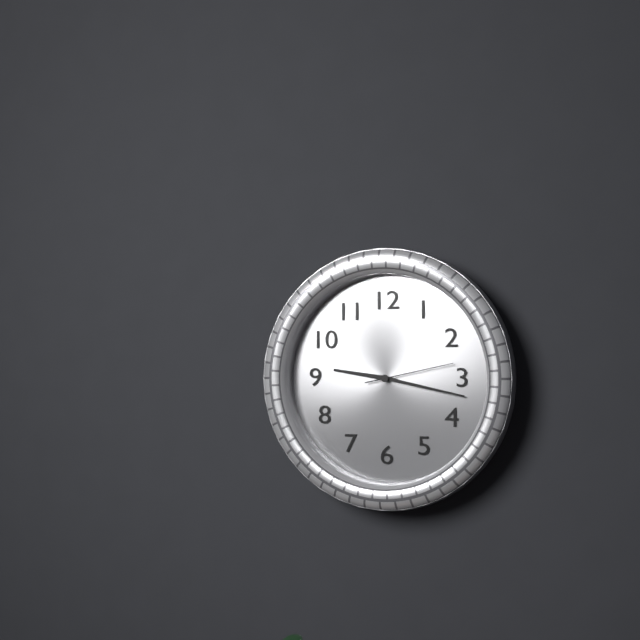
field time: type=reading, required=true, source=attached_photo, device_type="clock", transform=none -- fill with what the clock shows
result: 9:17:13
